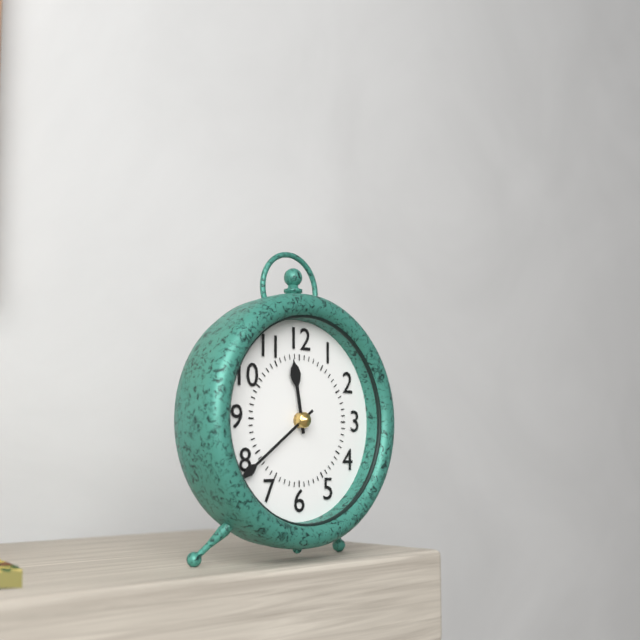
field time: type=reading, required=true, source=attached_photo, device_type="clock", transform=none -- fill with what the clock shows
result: 11:39
